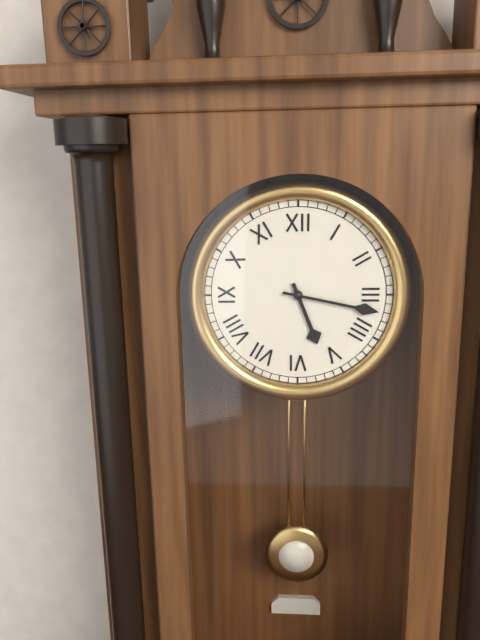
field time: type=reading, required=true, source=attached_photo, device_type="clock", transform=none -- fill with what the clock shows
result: 5:17
